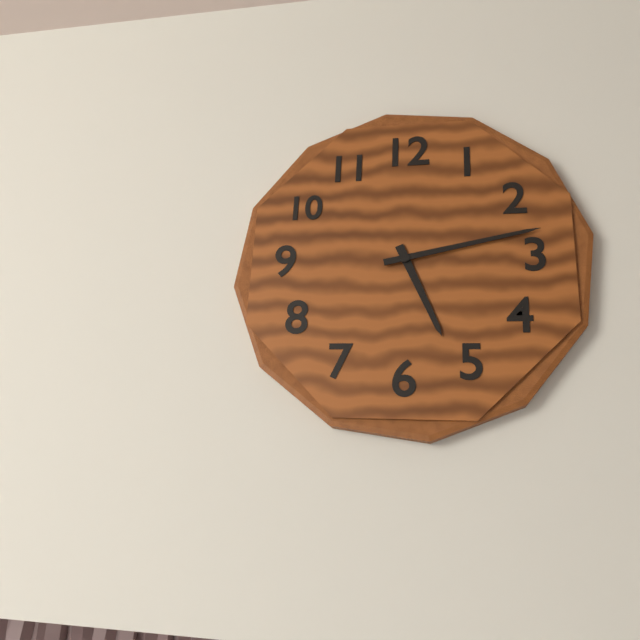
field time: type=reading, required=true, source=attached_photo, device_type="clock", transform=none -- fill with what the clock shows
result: 5:13
